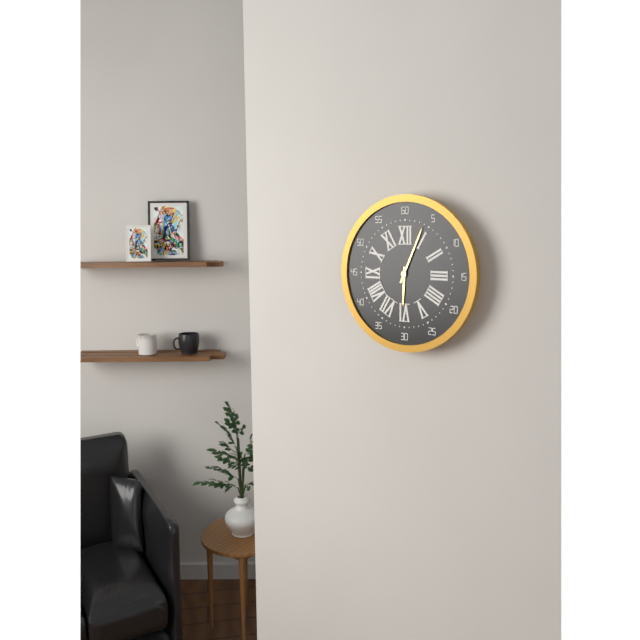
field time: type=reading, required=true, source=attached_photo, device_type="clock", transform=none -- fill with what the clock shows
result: 6:04
